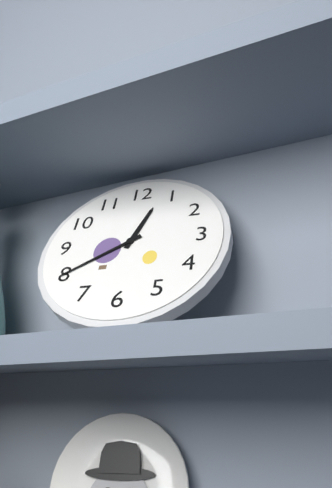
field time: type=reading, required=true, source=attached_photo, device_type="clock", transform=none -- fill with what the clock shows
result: 12:40
